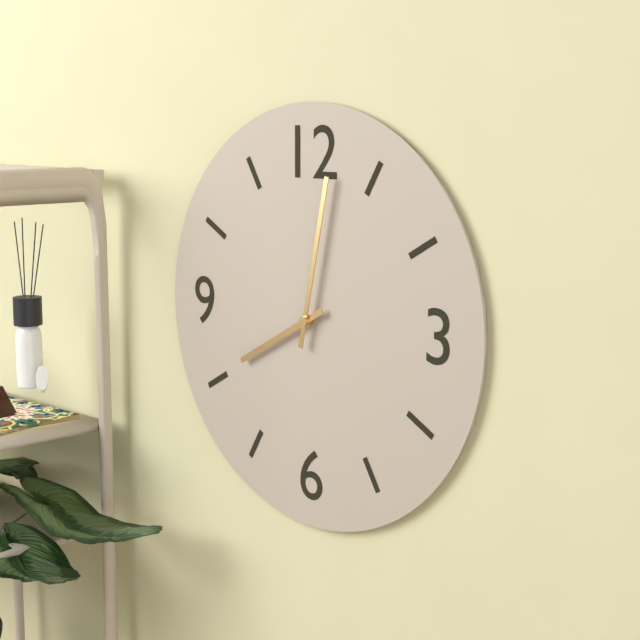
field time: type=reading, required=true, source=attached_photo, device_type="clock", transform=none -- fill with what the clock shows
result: 8:02
